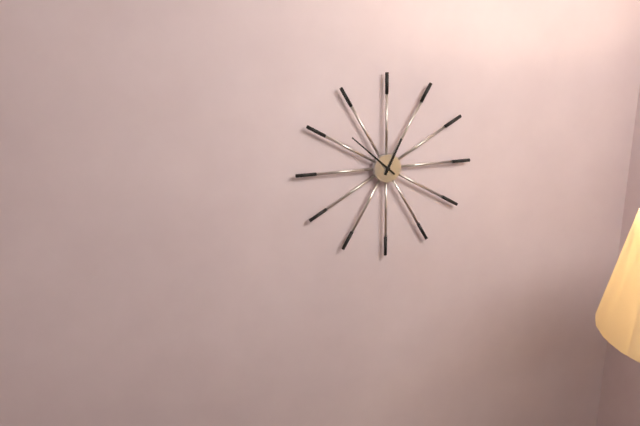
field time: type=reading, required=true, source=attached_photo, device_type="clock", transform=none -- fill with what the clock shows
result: 12:52
